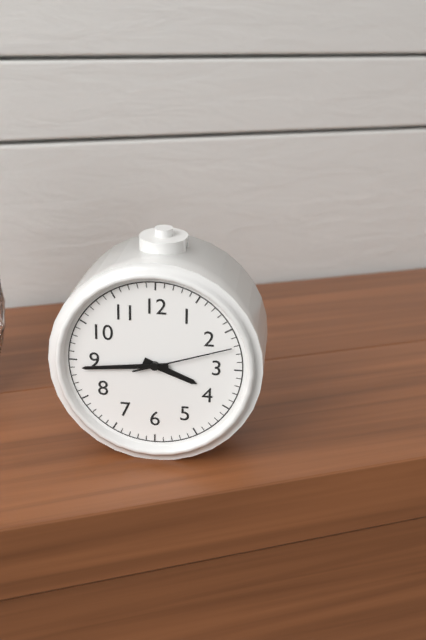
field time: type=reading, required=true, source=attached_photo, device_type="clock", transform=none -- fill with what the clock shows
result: 3:44:12
